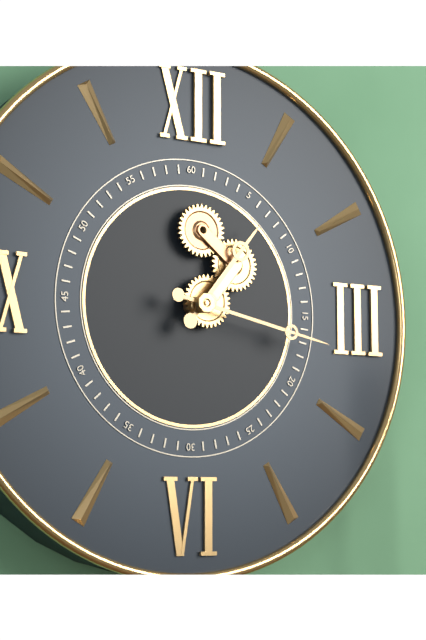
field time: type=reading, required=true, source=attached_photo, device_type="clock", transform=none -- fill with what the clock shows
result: 1:17
